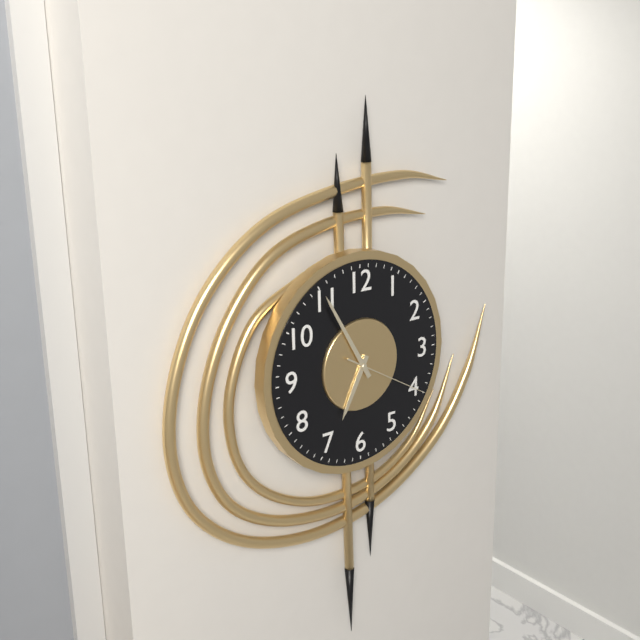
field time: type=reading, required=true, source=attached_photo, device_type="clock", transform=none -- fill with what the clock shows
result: 6:55:20
